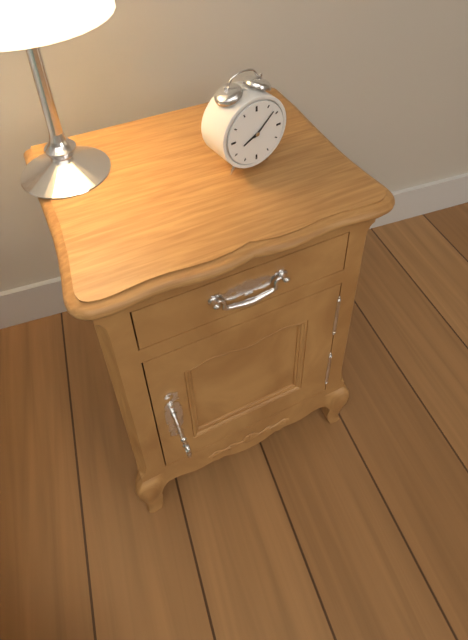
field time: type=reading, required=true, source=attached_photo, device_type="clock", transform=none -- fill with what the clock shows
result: 8:08
